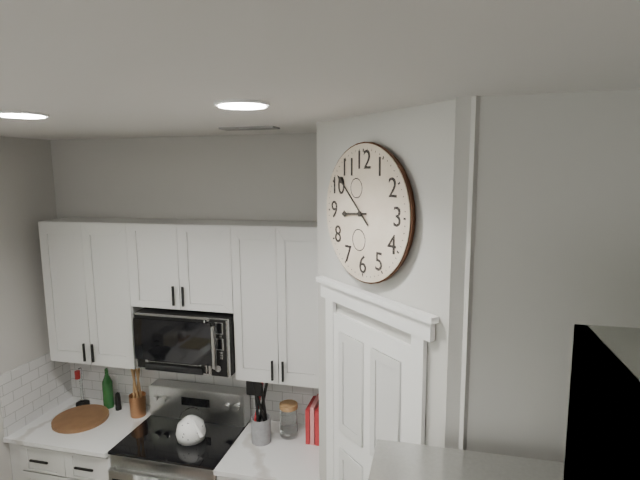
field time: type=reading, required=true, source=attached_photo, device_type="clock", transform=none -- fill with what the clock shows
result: 8:52
